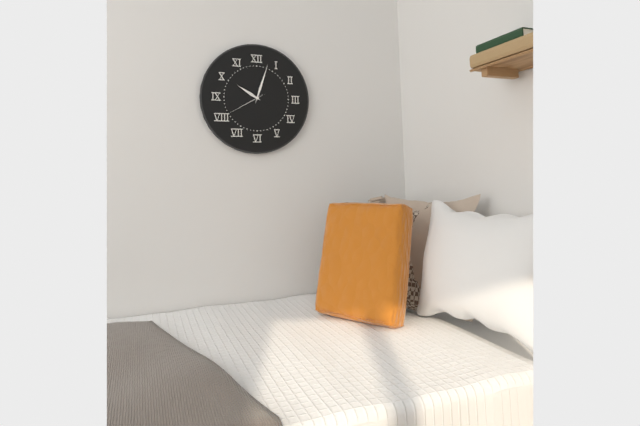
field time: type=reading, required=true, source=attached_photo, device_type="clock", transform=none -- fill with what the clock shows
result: 10:03
